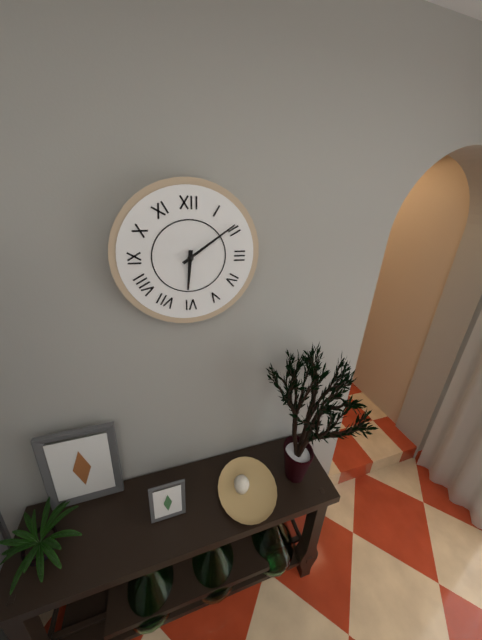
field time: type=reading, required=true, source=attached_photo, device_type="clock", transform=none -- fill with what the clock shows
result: 6:09
